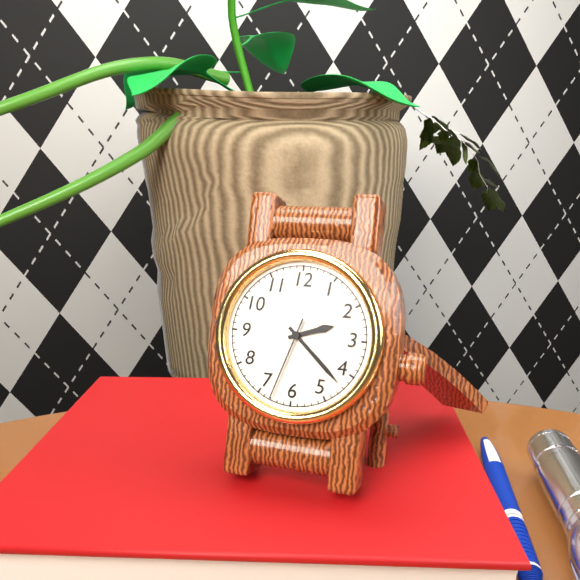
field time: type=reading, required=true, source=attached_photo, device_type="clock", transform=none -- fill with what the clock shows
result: 2:22:33
